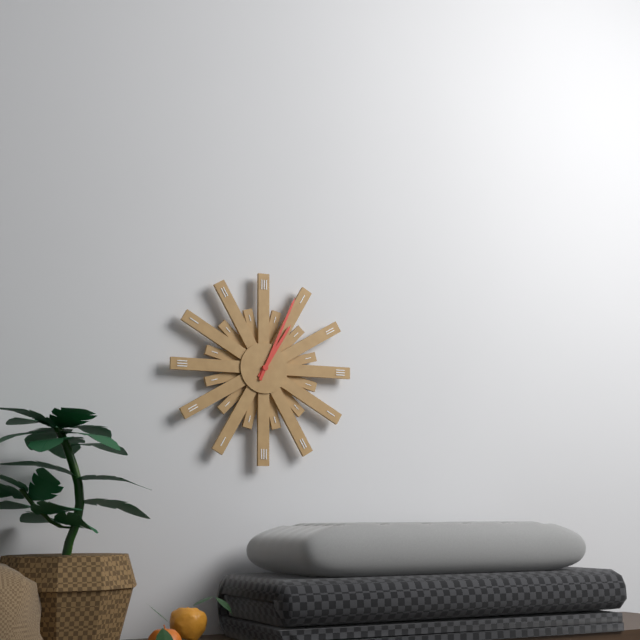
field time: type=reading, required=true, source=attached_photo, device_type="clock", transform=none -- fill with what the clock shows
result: 1:04
